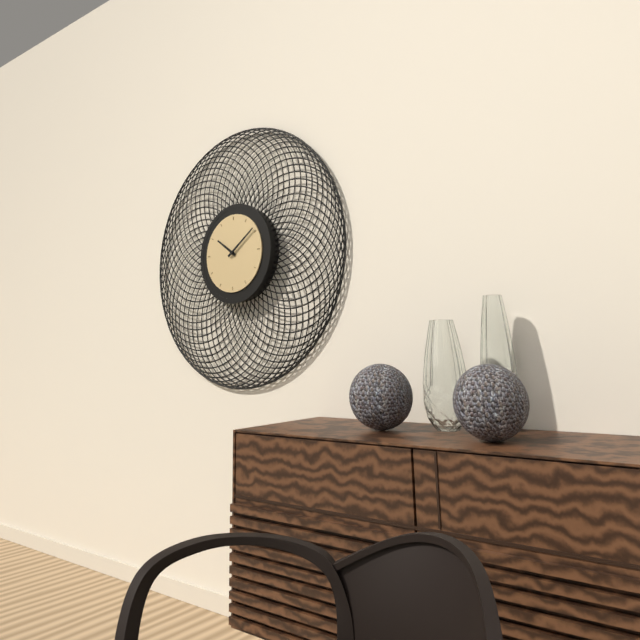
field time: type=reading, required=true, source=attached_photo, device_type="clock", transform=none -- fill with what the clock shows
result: 10:09
